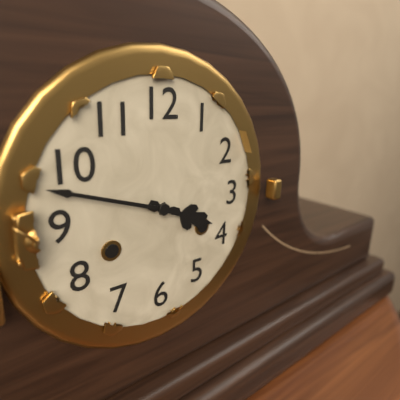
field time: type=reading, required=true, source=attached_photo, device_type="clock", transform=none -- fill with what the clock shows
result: 3:48
